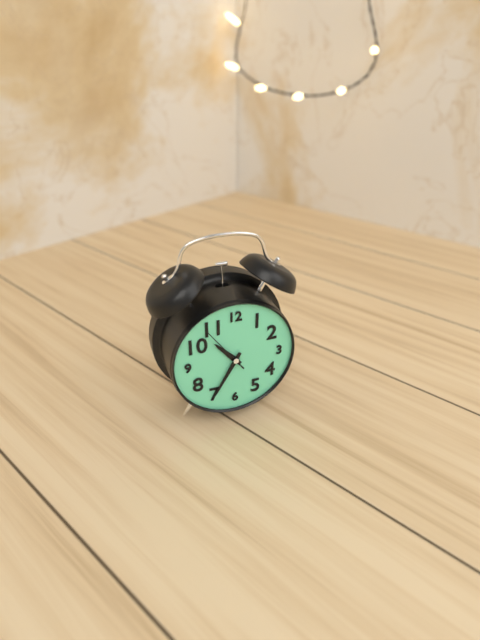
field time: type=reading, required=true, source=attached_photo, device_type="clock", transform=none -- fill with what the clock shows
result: 10:35:54
